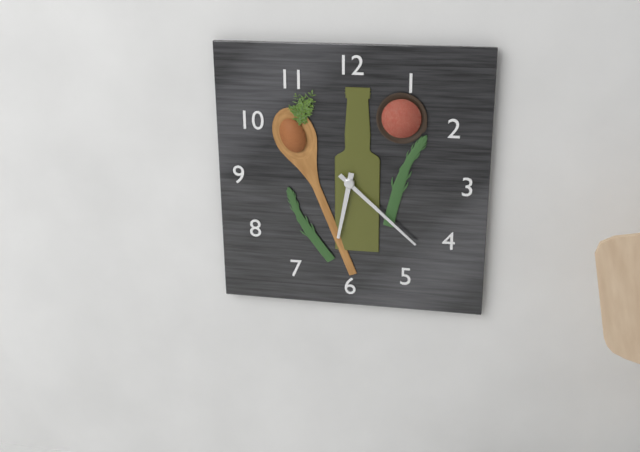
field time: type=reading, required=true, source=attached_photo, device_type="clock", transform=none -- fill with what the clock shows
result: 6:22
